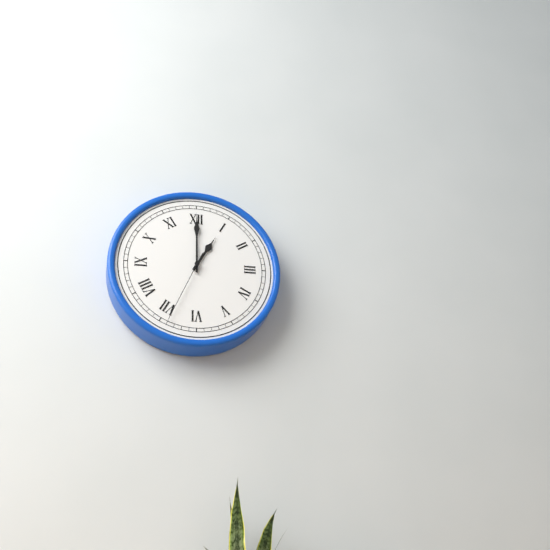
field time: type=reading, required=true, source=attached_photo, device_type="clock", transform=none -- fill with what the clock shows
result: 1:00:34
